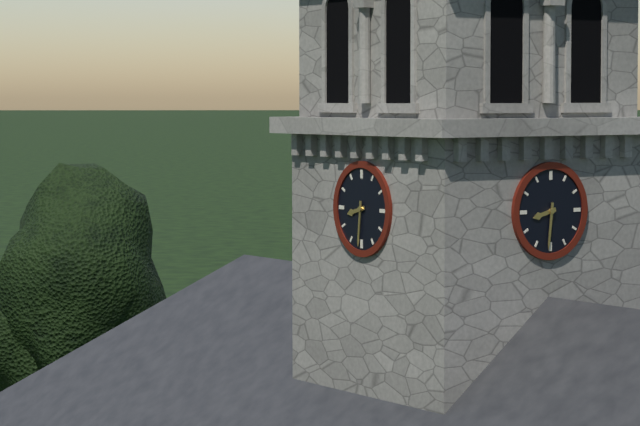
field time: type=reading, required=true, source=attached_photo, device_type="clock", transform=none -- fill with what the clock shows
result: 8:31
